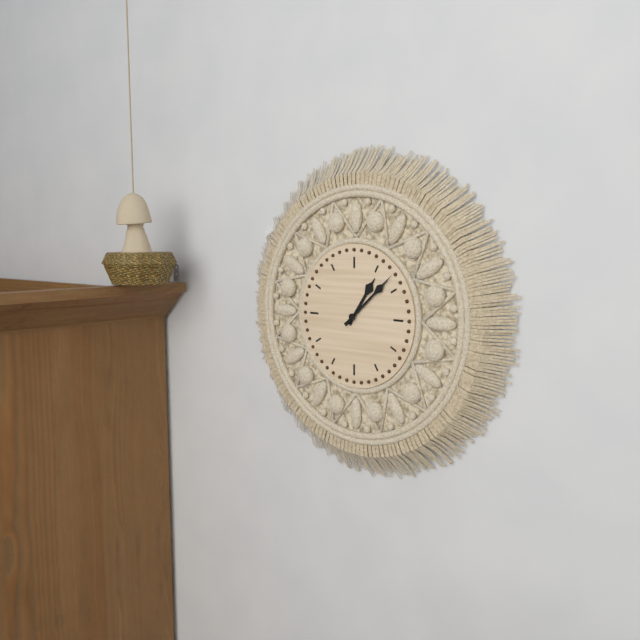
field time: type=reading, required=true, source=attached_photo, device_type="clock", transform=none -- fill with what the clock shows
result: 1:08
